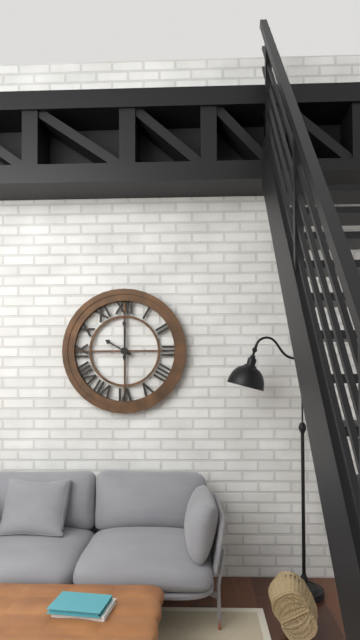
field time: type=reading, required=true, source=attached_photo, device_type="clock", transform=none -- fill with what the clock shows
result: 10:00
